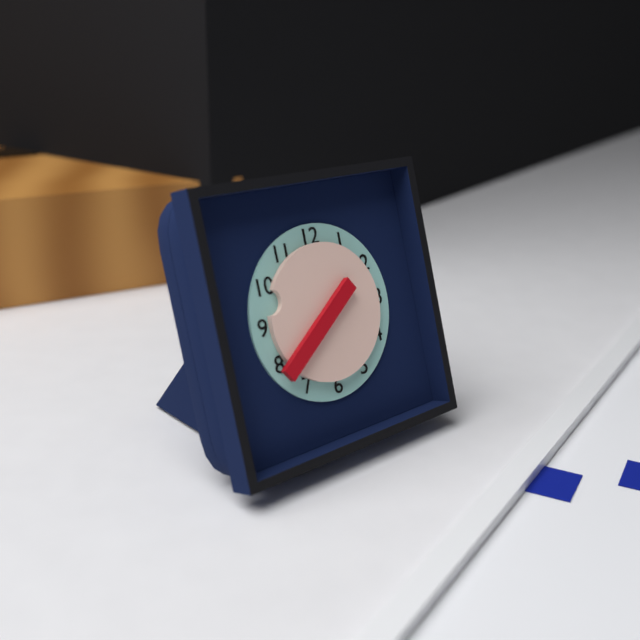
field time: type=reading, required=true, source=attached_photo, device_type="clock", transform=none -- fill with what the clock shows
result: 9:39
